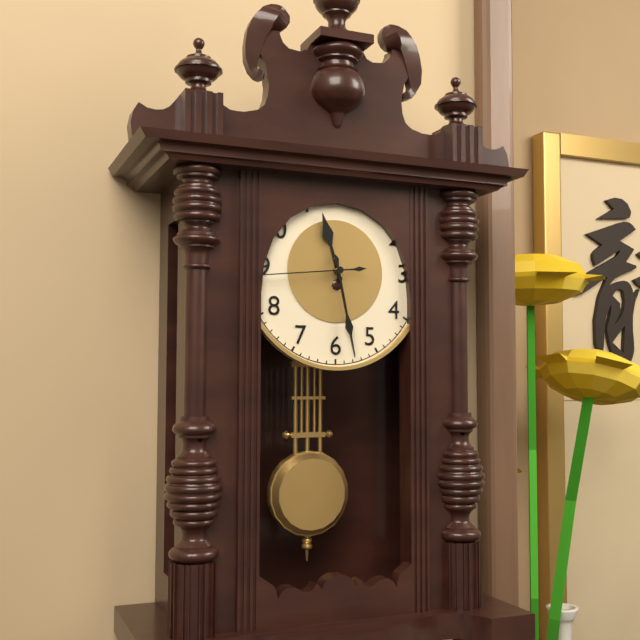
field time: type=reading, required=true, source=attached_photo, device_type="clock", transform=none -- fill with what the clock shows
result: 11:28:44
